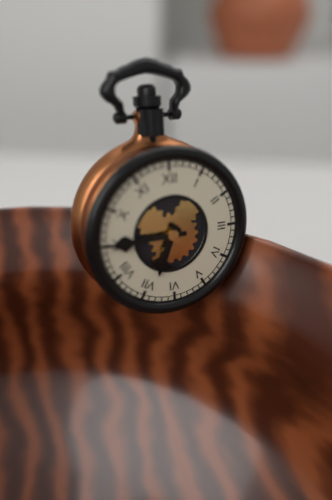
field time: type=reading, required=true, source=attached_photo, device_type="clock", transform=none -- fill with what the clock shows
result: 6:45
